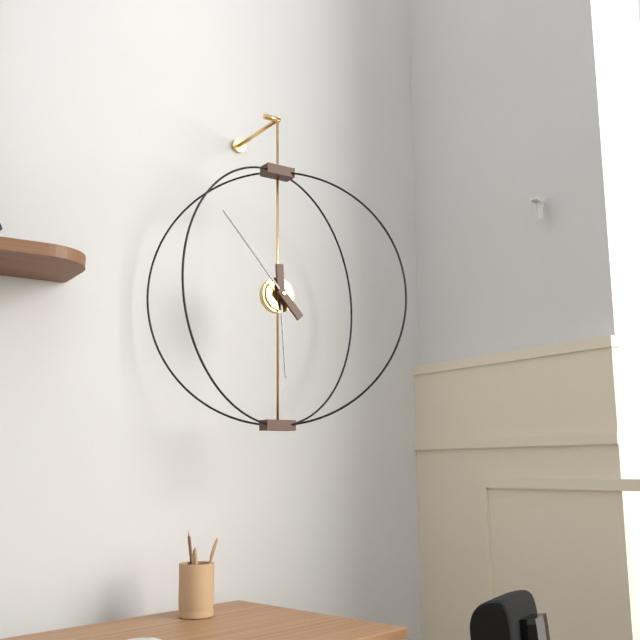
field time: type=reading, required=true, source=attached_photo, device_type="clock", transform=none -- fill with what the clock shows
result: 5:53
